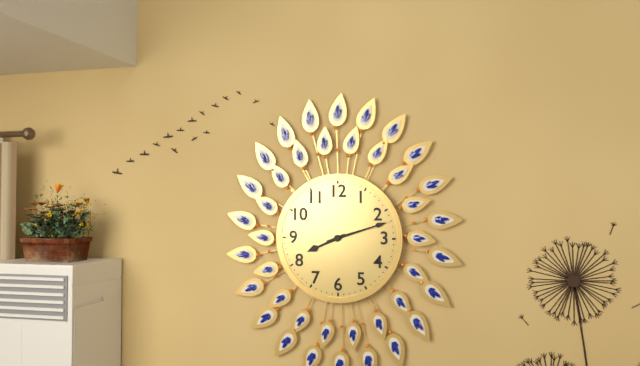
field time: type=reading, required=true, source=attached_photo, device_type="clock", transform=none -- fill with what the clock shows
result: 8:12
